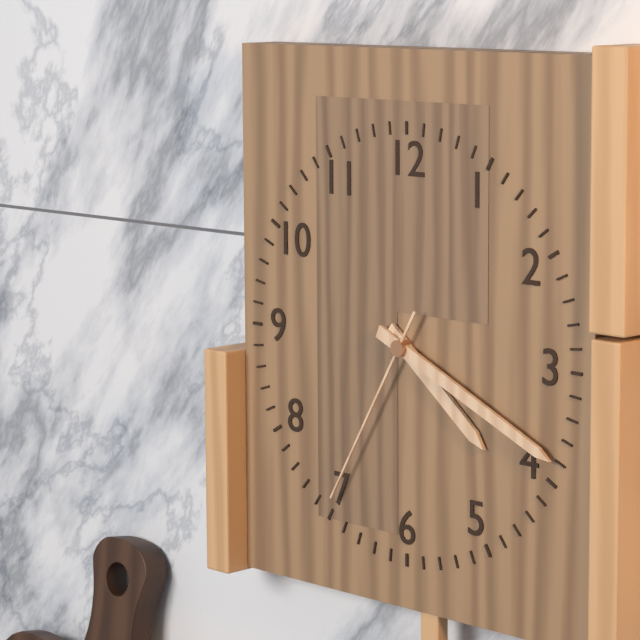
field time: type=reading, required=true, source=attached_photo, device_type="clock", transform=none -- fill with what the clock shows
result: 4:19:35
